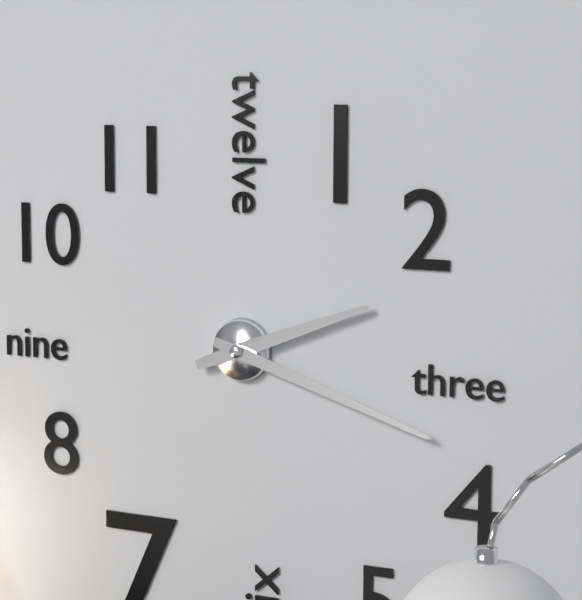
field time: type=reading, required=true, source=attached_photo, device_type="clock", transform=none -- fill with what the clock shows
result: 2:18
